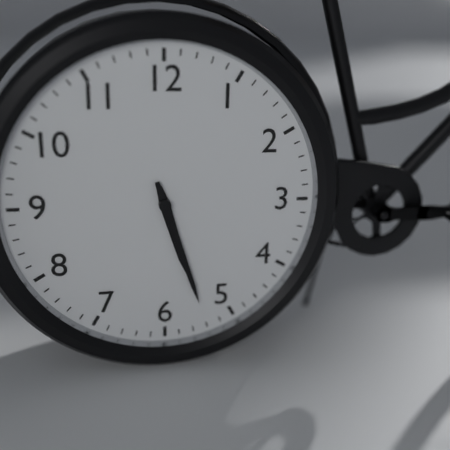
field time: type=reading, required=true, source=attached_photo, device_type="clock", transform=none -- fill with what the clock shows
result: 5:27
